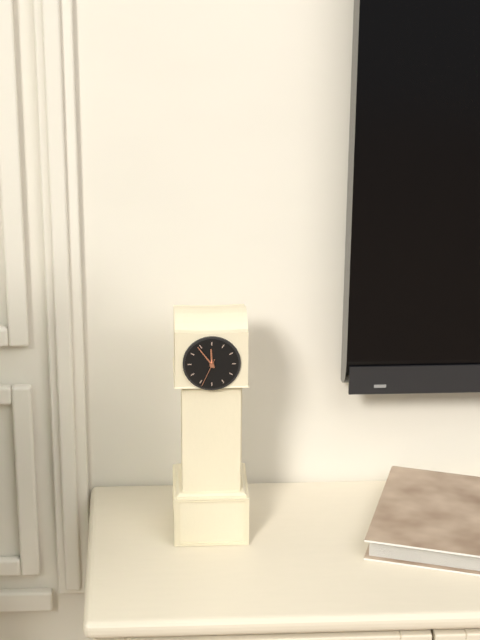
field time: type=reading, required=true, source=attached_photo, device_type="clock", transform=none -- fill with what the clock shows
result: 11:54
